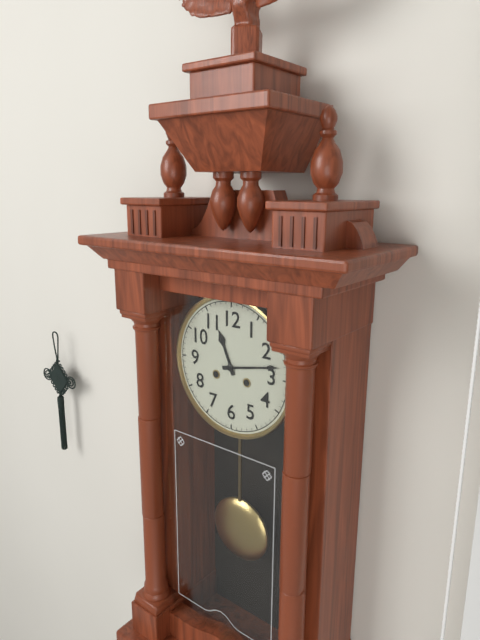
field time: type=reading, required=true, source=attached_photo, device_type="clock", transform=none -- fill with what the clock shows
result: 11:13
